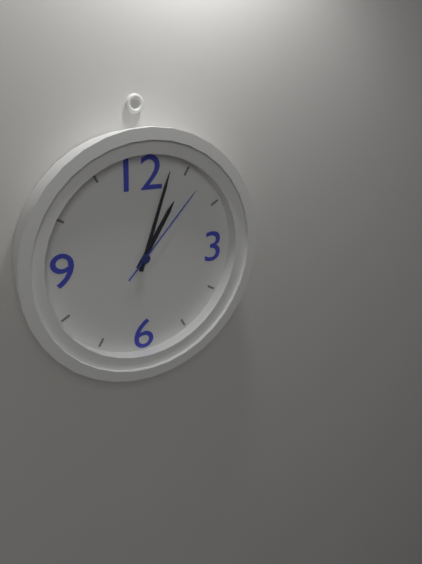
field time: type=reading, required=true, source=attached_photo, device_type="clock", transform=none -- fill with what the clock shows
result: 1:03:07
